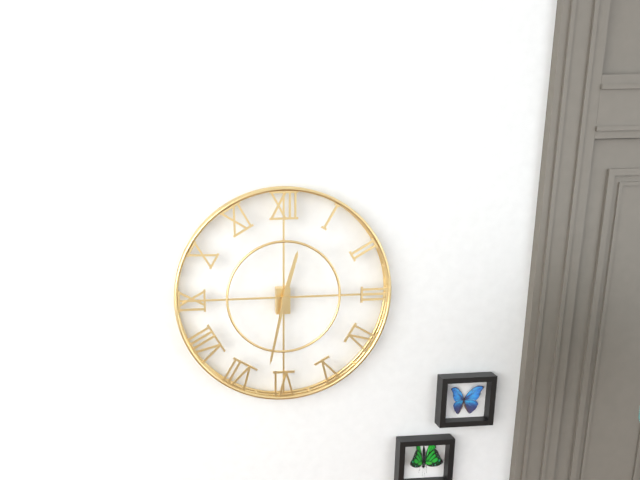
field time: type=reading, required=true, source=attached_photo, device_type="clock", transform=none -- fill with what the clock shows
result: 12:32
